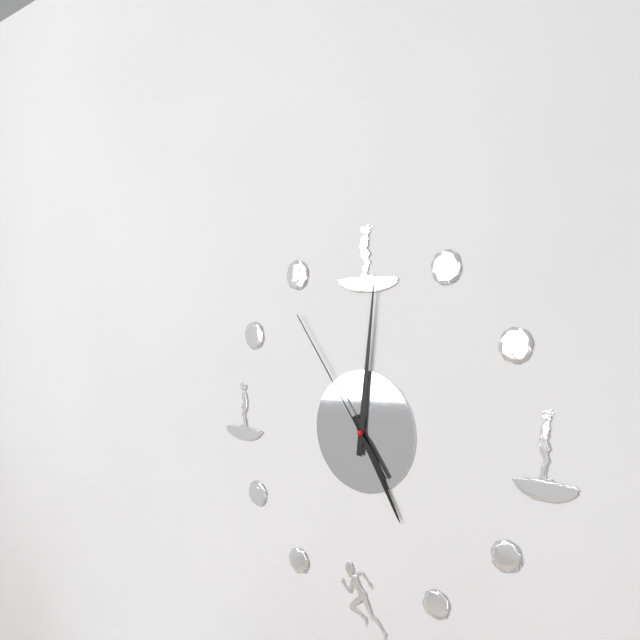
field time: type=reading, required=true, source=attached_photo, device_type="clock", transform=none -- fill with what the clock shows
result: 5:01:54
